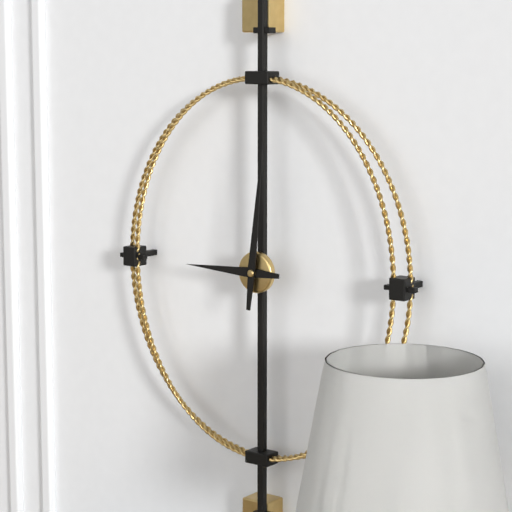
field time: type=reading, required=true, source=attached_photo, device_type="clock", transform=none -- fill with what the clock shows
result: 9:01
